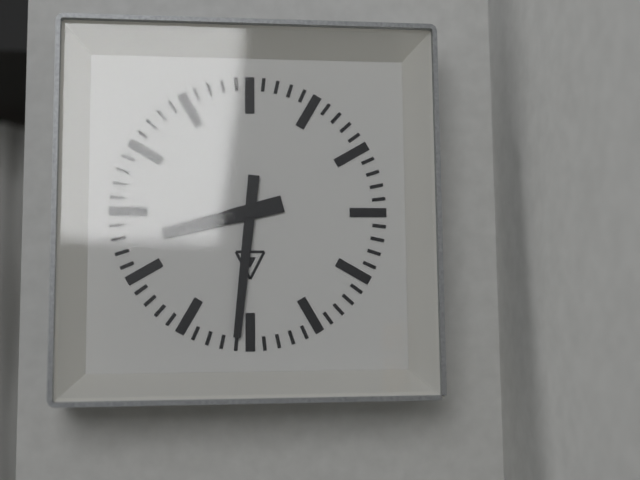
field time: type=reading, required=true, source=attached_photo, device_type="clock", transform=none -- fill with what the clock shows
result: 8:31
